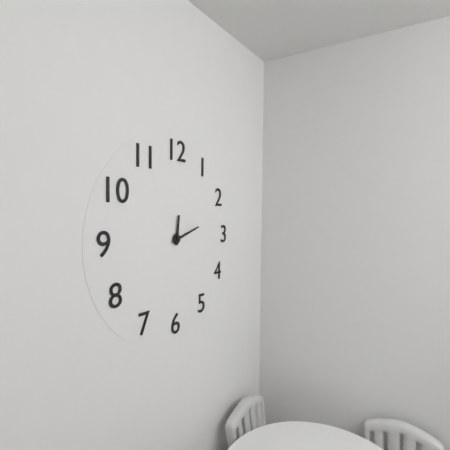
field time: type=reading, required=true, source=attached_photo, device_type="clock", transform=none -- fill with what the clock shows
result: 12:12
